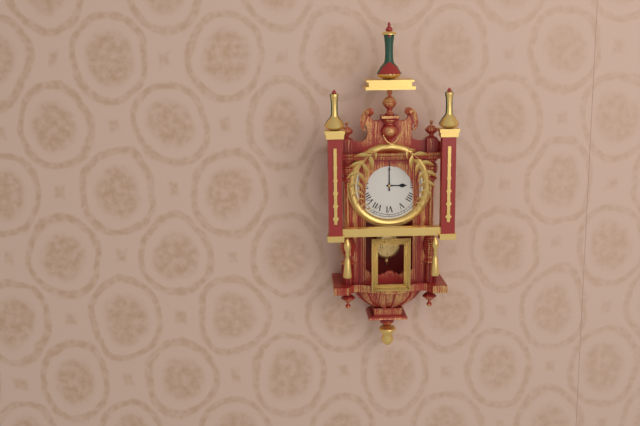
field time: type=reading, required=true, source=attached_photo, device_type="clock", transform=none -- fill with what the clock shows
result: 3:00
